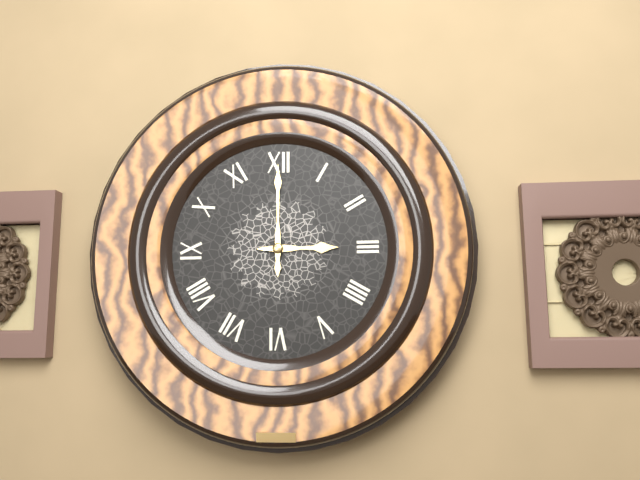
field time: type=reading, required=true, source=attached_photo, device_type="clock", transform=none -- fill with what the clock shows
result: 3:00
